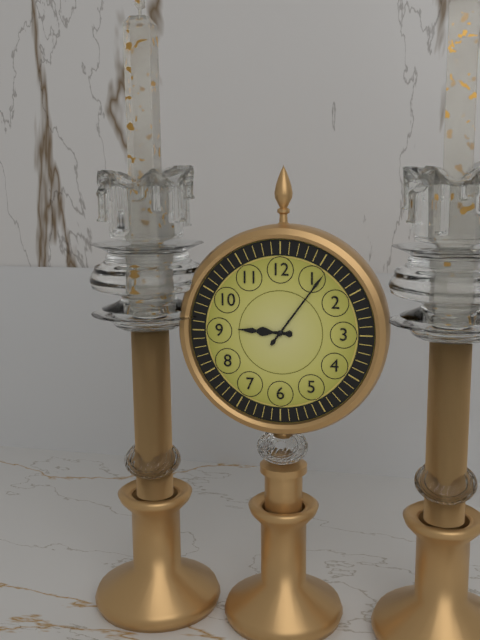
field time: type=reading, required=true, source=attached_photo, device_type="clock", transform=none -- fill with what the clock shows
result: 9:06
